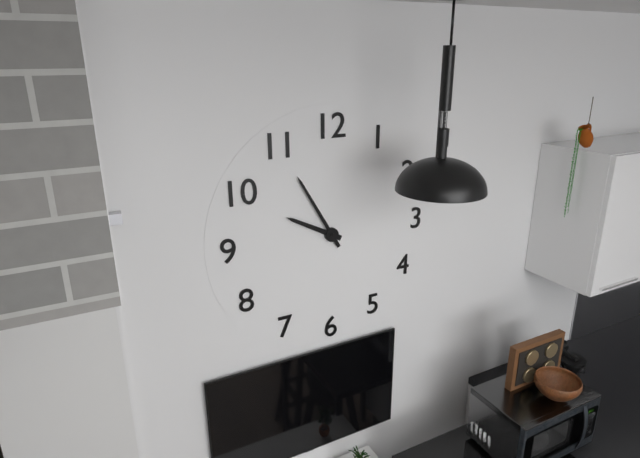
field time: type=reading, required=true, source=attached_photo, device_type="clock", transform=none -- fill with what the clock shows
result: 9:55
